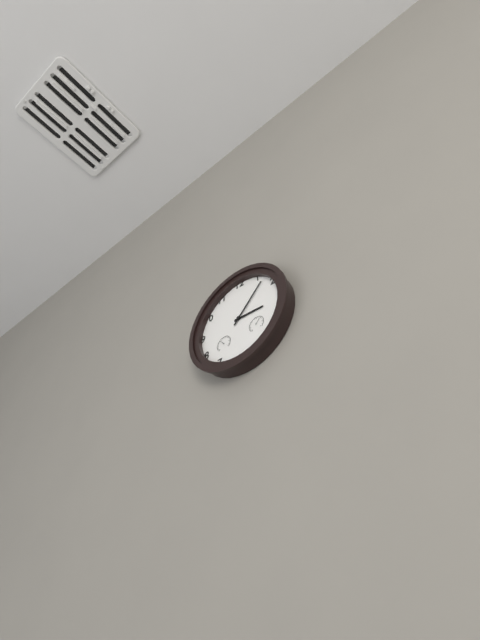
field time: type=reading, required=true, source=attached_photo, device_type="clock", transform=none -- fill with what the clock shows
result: 3:07
